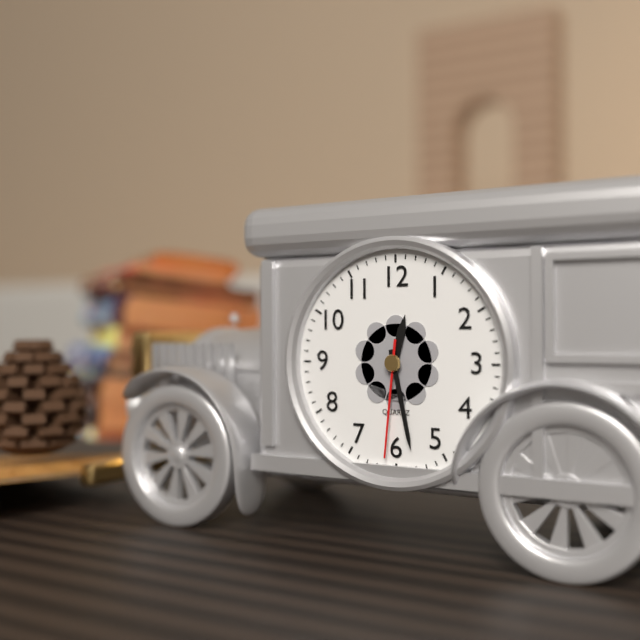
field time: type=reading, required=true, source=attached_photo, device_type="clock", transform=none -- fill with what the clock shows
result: 12:28:31
